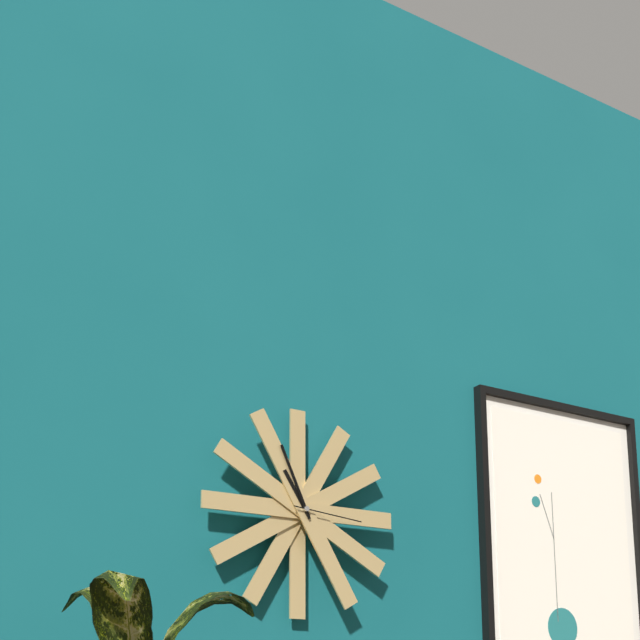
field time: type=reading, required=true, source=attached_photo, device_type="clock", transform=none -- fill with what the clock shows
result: 10:56:16
